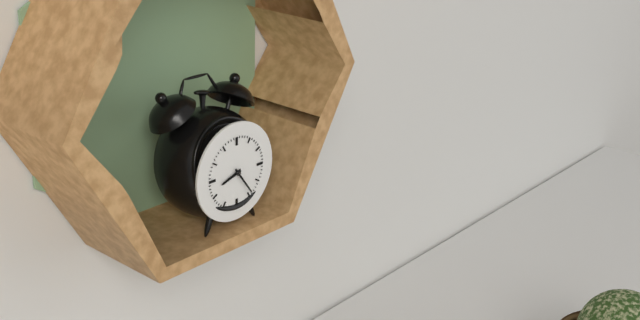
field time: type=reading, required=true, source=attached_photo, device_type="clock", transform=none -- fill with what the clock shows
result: 8:24
